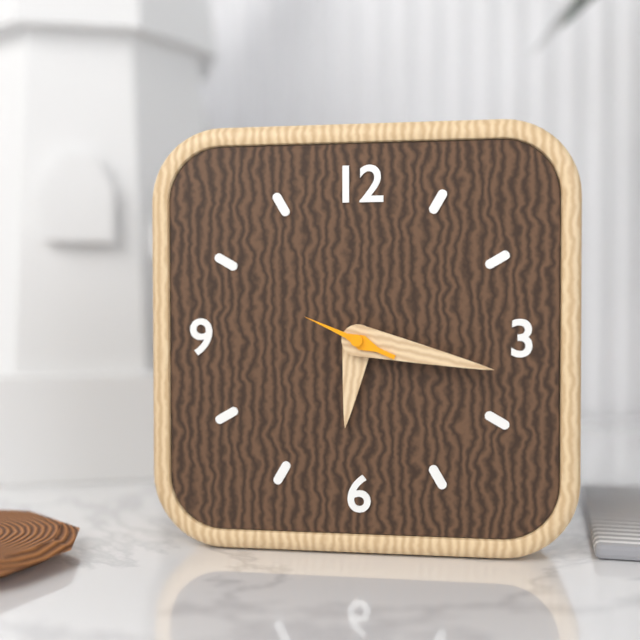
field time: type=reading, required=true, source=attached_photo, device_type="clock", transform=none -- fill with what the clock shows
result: 6:17:49
